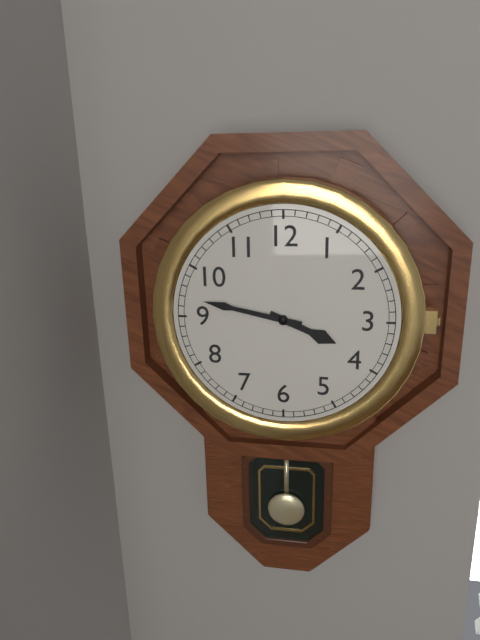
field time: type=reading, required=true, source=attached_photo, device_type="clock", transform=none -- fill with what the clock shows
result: 3:47
